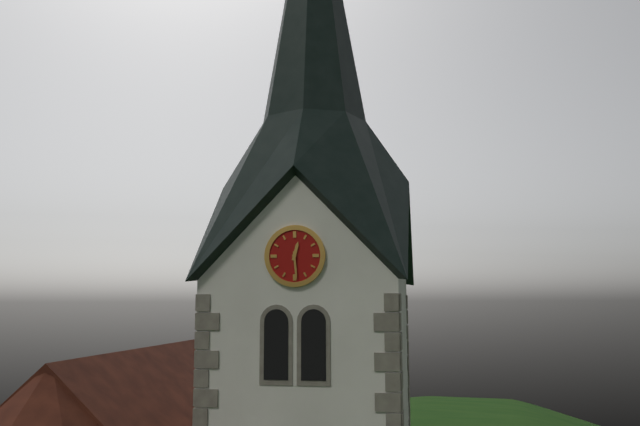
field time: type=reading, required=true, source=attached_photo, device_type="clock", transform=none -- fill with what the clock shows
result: 12:29
